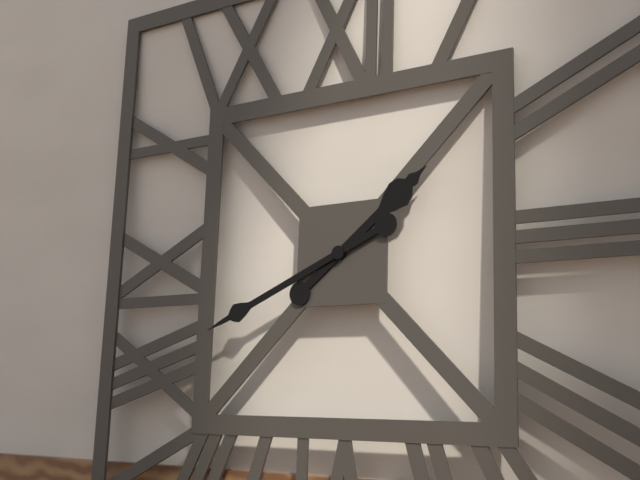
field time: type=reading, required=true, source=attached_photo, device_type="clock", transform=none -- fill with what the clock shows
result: 1:41
